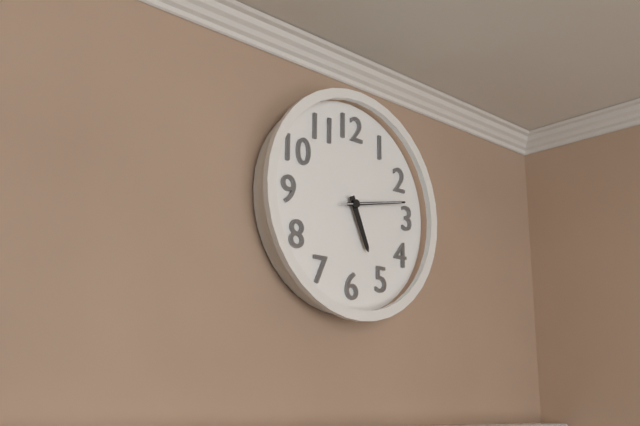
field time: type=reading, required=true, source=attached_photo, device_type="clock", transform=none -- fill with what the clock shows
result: 5:13:13
